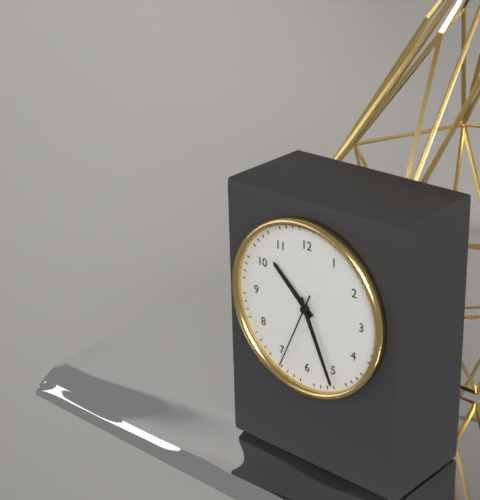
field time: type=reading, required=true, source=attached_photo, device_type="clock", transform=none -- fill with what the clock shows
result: 10:26:34
